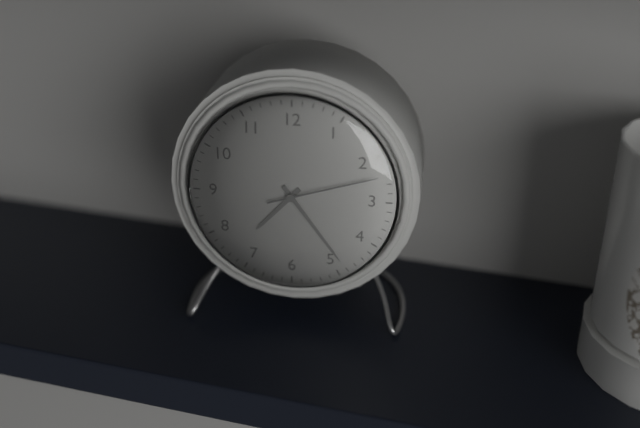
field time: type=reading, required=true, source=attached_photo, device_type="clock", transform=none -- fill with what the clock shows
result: 7:24:12
